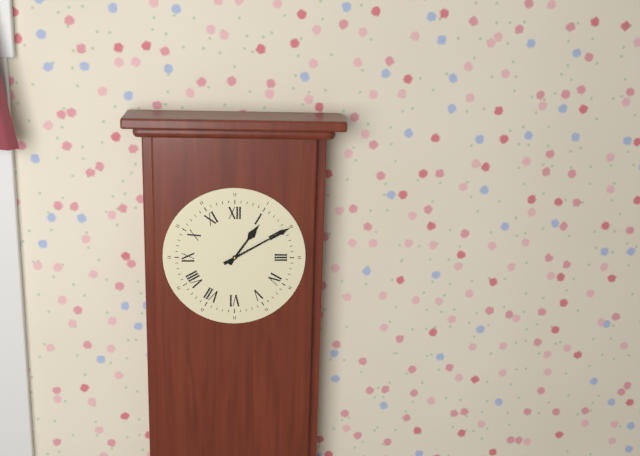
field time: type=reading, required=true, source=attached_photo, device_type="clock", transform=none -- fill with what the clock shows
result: 1:10
